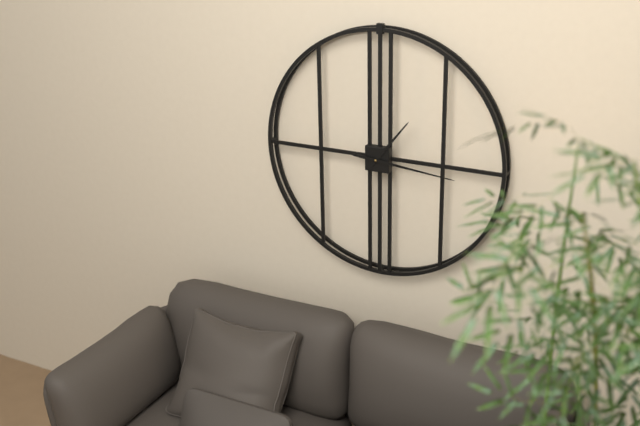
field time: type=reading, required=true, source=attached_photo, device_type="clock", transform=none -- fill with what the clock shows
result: 1:16
